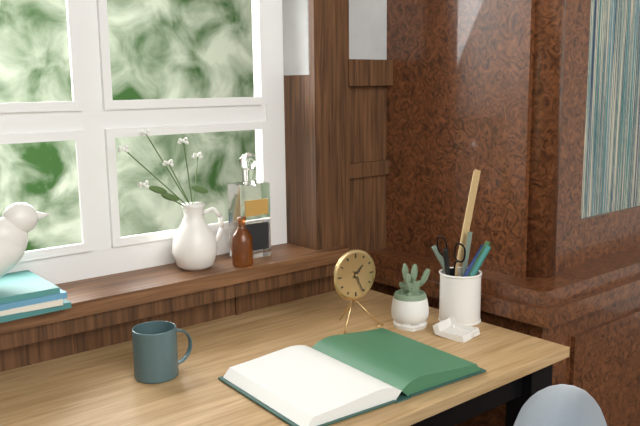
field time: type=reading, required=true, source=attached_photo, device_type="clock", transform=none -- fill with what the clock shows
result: 1:26
